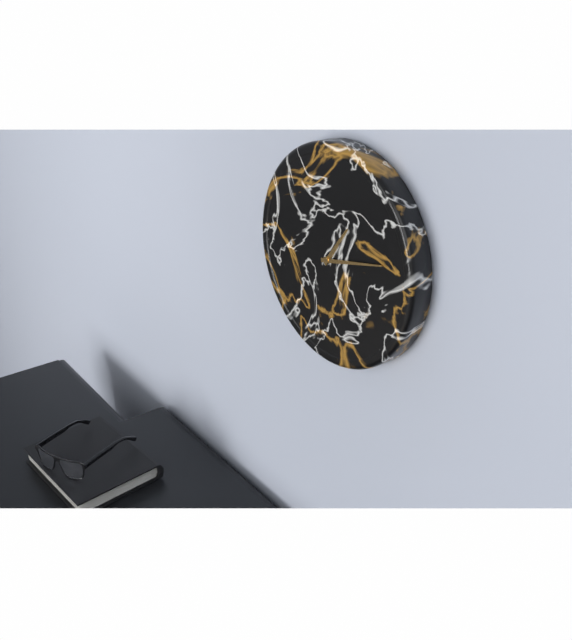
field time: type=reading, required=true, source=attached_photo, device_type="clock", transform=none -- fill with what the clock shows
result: 1:13
